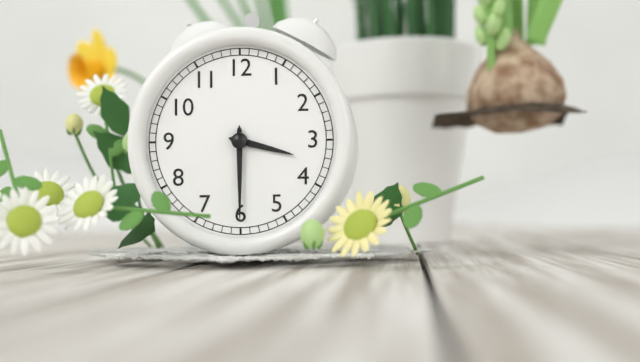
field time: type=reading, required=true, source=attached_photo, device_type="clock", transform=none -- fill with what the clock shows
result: 3:30
